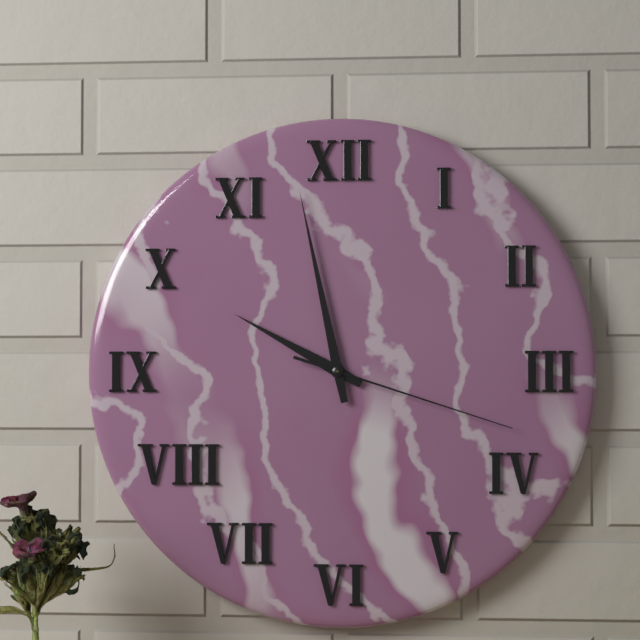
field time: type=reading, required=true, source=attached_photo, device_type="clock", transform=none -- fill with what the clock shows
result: 9:58:18
